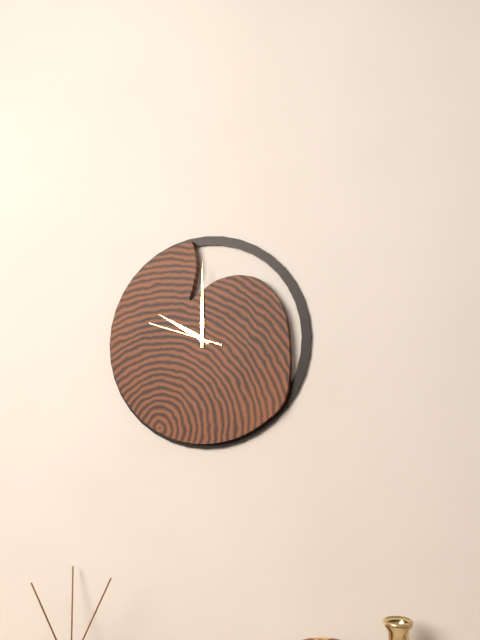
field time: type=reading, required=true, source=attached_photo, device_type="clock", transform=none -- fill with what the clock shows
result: 10:00:48
